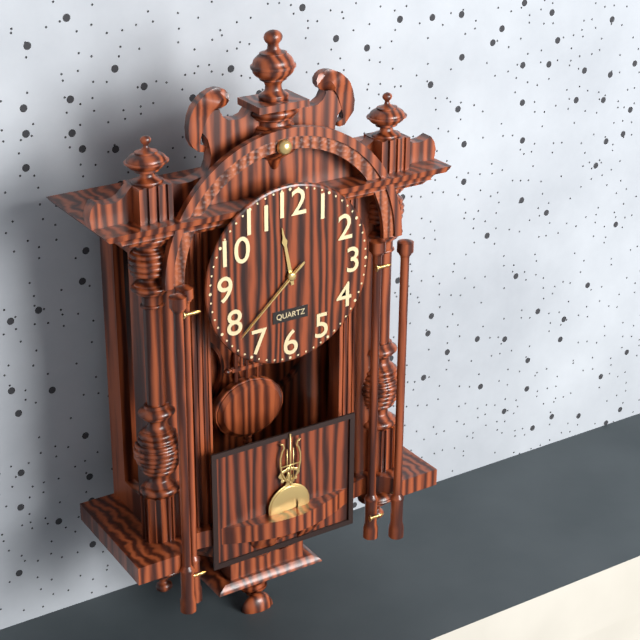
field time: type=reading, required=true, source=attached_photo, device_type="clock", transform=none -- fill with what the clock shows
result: 11:38:38
